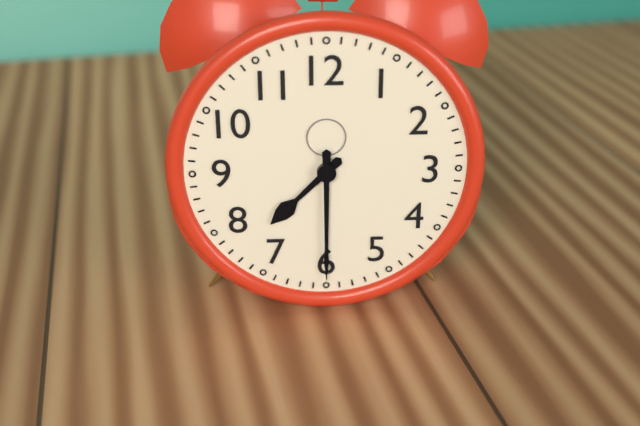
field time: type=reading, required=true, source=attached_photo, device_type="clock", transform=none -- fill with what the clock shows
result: 7:30
